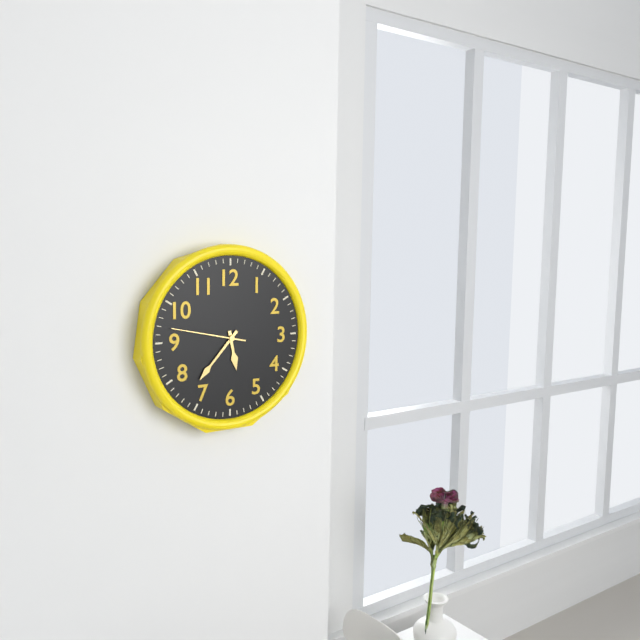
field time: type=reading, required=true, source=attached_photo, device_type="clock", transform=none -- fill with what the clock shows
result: 5:37:47
